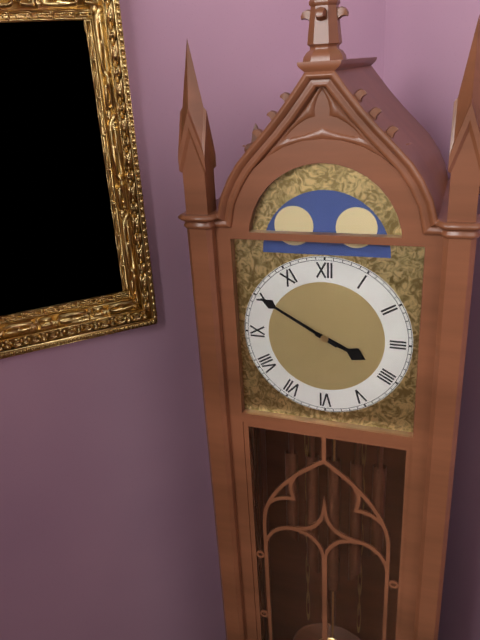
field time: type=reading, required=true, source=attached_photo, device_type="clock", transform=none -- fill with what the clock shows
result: 3:50
